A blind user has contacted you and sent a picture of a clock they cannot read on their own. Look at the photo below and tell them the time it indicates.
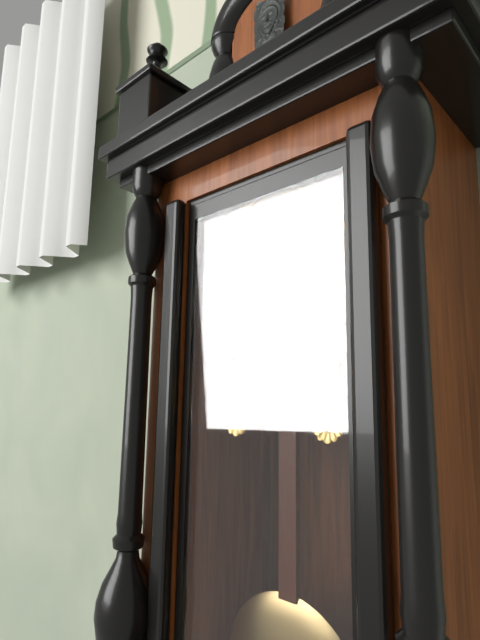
4:33
